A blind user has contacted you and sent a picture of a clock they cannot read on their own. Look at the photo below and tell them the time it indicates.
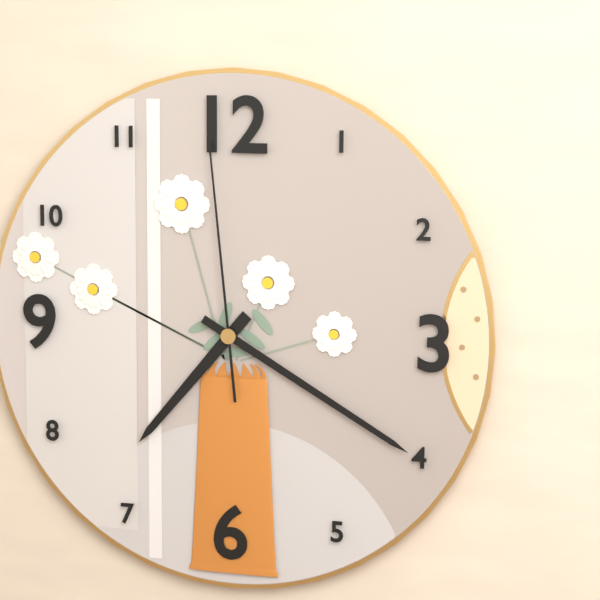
7:20:59
